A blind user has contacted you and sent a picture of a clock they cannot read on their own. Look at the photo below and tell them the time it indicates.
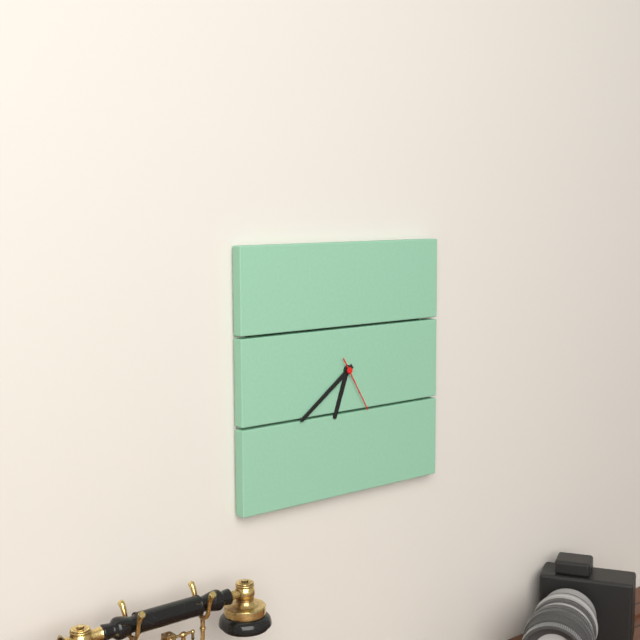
6:39:25
